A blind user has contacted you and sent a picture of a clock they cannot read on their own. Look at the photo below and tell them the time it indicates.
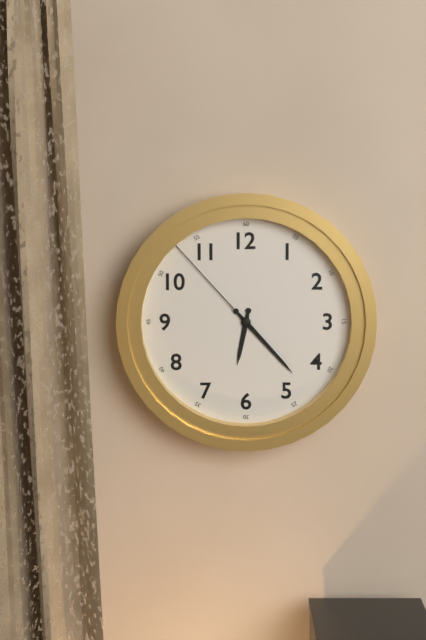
6:23:53
